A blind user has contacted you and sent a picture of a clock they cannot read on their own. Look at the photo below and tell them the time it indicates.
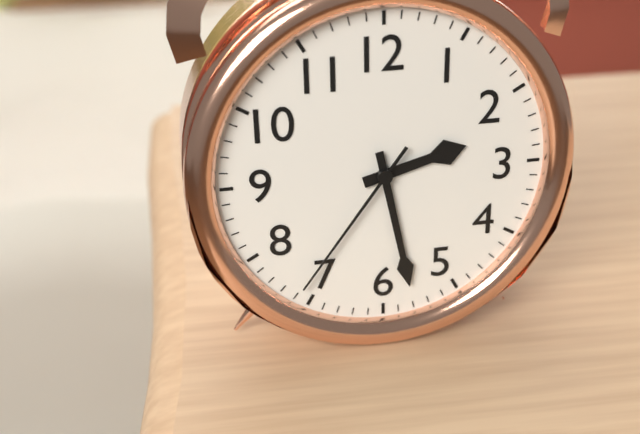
2:28:36
